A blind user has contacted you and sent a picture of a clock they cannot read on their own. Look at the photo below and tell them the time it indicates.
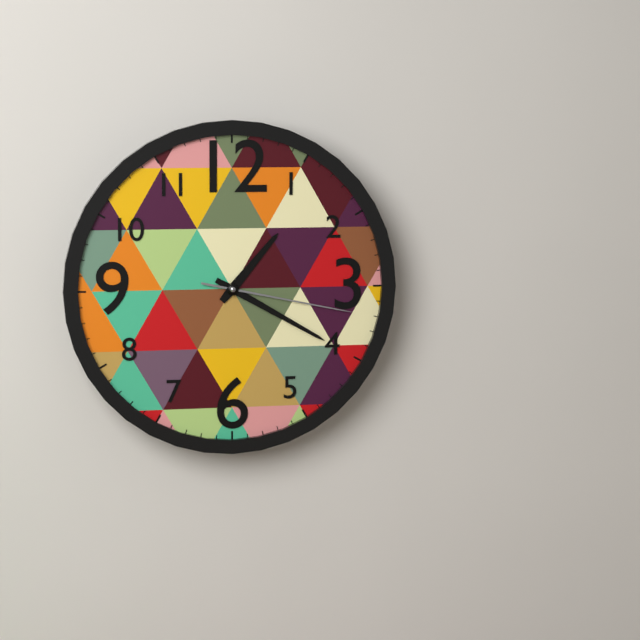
1:20:17
